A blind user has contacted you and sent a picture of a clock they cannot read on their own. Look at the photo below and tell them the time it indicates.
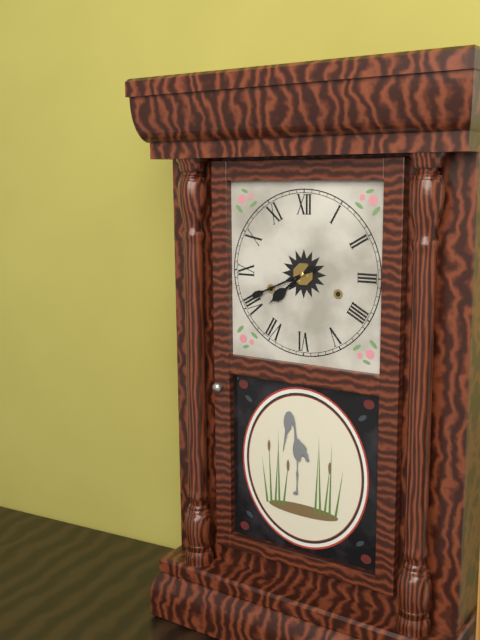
7:41
